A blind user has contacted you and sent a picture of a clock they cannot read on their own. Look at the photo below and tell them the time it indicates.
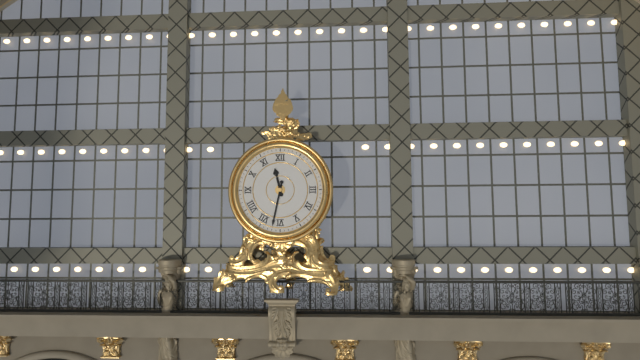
11:32
